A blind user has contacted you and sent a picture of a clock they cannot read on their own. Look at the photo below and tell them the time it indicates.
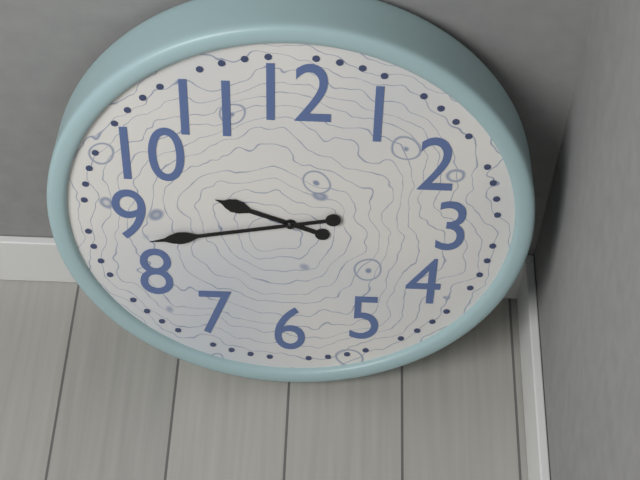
9:43
